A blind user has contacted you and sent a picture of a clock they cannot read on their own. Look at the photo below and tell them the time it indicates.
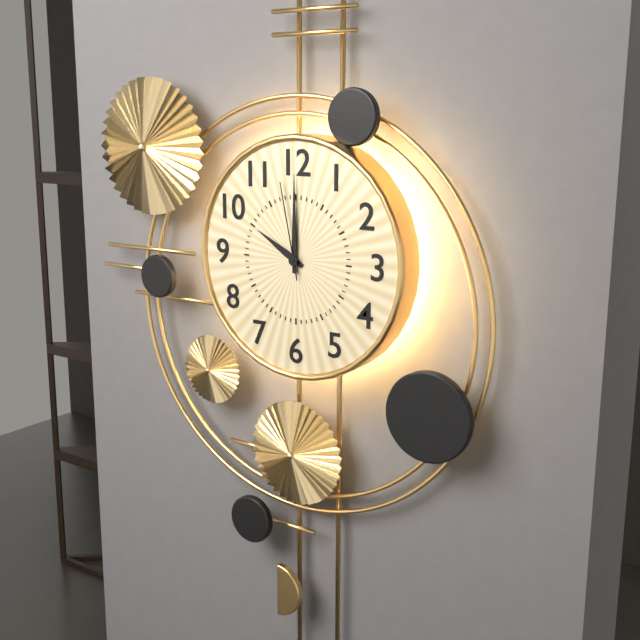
10:00:58
